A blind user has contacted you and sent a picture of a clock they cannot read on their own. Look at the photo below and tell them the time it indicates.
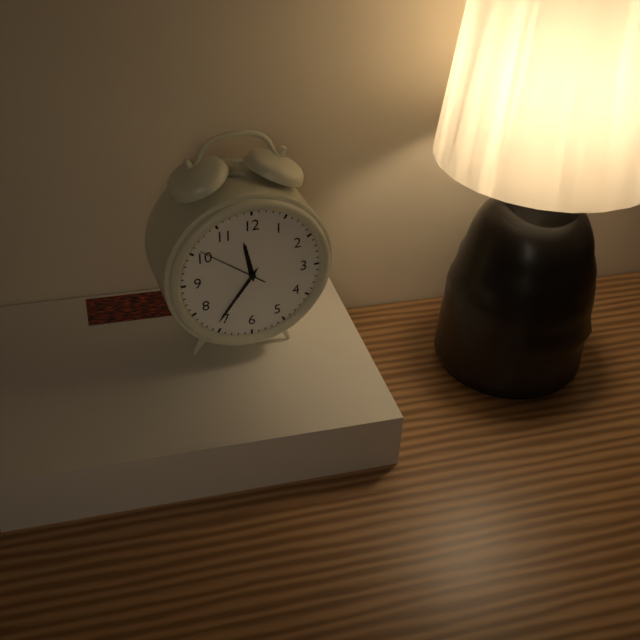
11:36:51
